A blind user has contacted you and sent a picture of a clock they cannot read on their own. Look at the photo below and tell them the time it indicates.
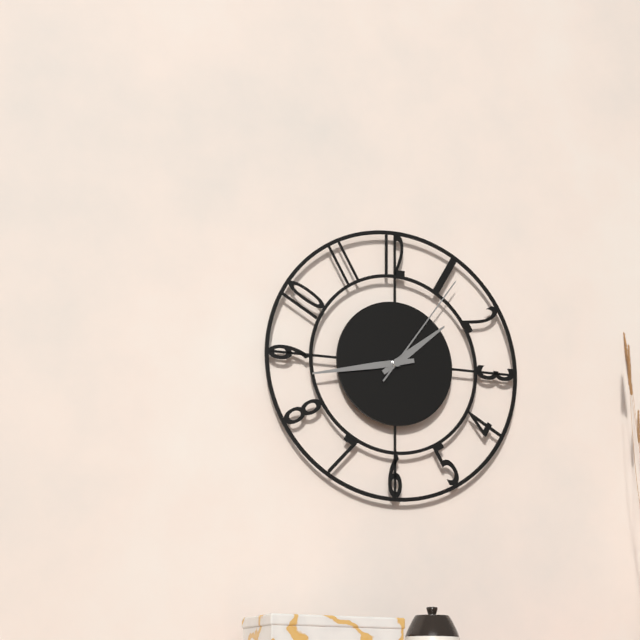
1:43:06
